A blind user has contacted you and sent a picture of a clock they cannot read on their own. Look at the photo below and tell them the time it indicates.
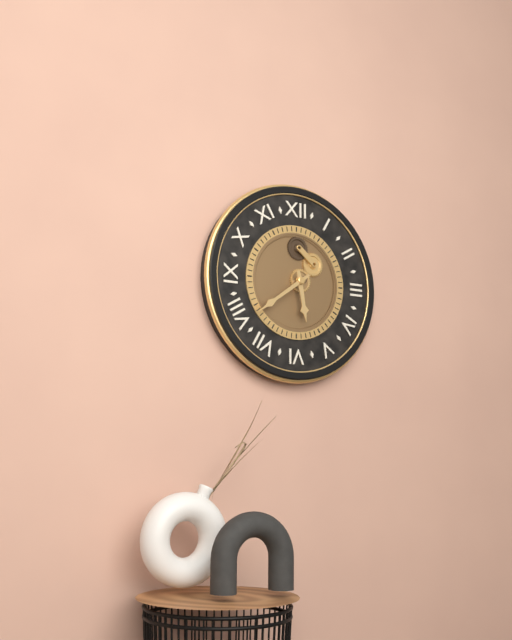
5:39
